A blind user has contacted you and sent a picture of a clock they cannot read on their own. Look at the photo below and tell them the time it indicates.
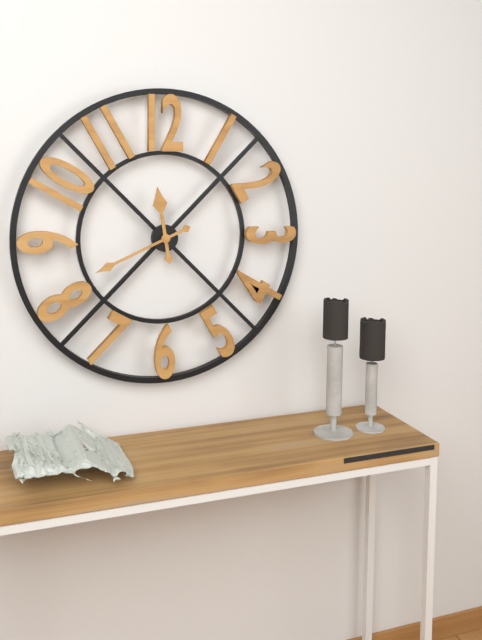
11:41
